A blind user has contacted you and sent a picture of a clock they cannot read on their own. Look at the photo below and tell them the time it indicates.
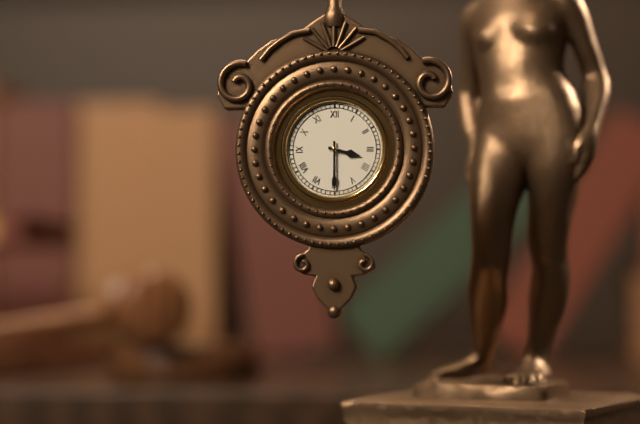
3:30
